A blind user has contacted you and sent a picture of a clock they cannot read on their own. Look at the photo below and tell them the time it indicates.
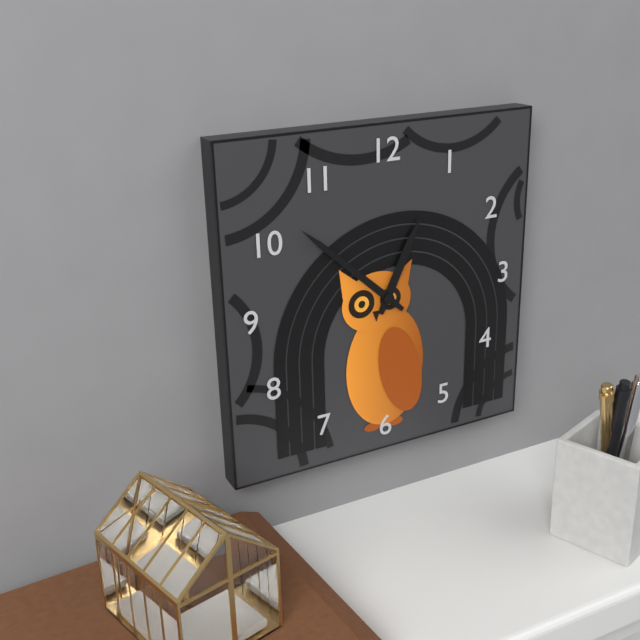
12:52
